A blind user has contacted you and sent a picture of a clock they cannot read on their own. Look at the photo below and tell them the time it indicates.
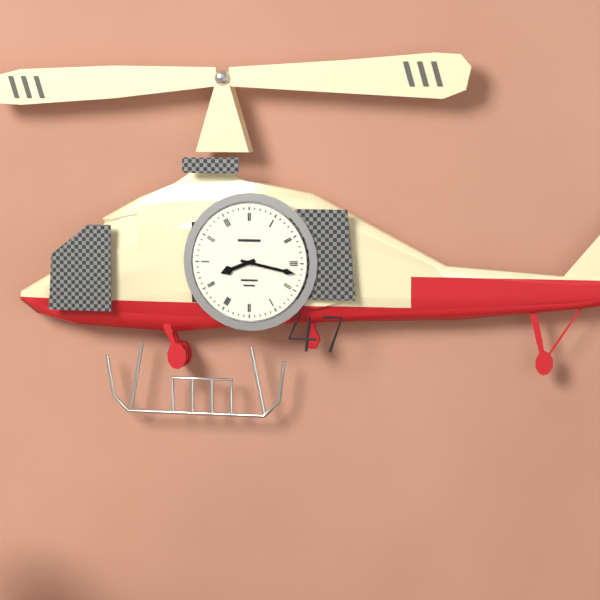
8:17
